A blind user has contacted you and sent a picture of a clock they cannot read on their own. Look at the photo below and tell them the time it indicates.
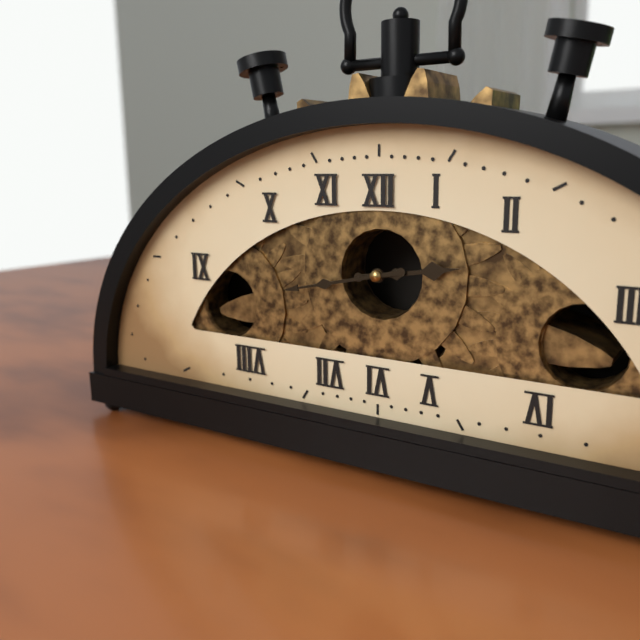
2:43
